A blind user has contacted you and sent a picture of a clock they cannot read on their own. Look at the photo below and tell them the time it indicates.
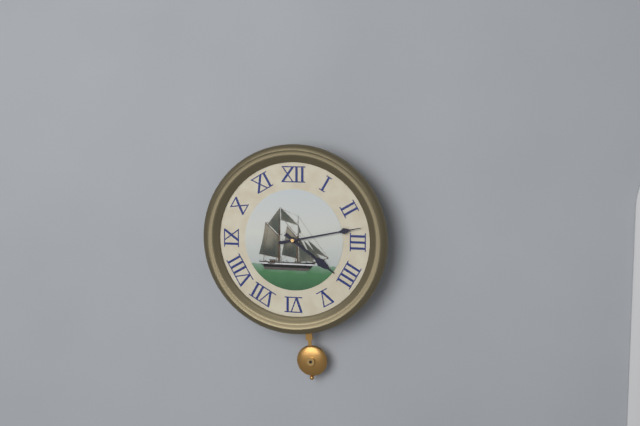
4:13
